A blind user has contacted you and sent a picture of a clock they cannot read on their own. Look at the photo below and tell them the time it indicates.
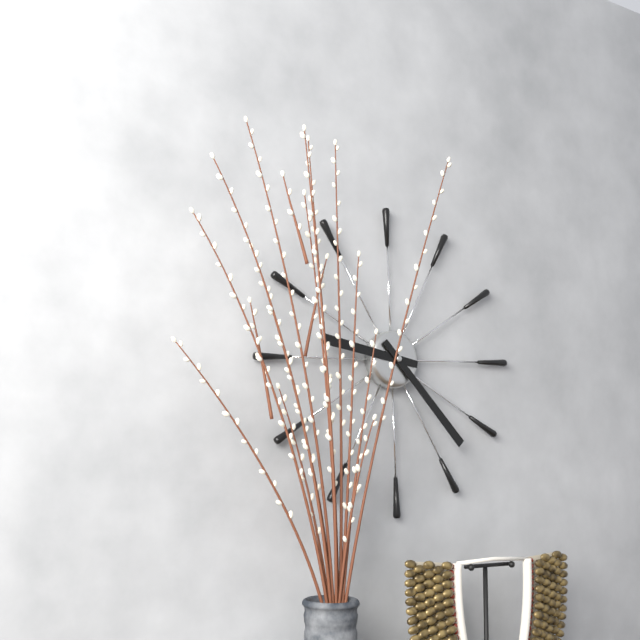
9:23
